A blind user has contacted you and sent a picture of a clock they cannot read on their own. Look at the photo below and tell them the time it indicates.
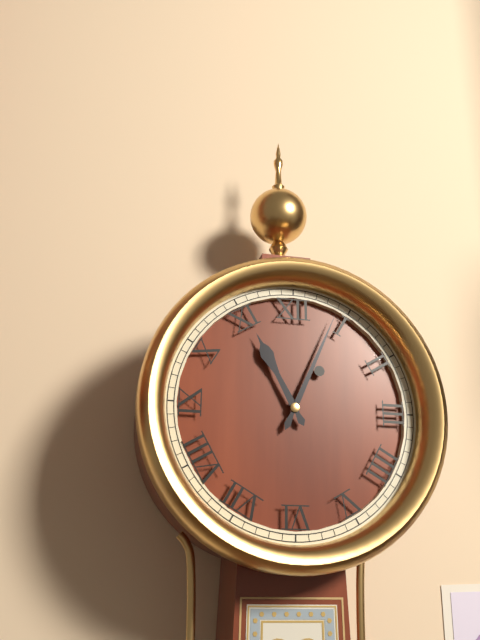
11:04
